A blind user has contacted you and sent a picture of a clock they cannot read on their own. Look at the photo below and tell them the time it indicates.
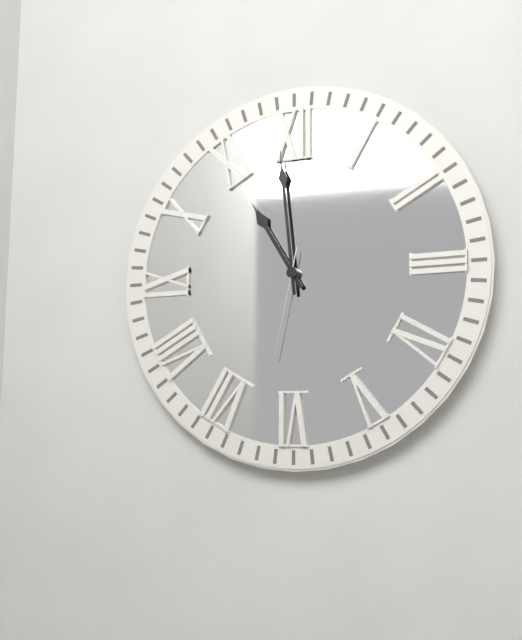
10:59:32
